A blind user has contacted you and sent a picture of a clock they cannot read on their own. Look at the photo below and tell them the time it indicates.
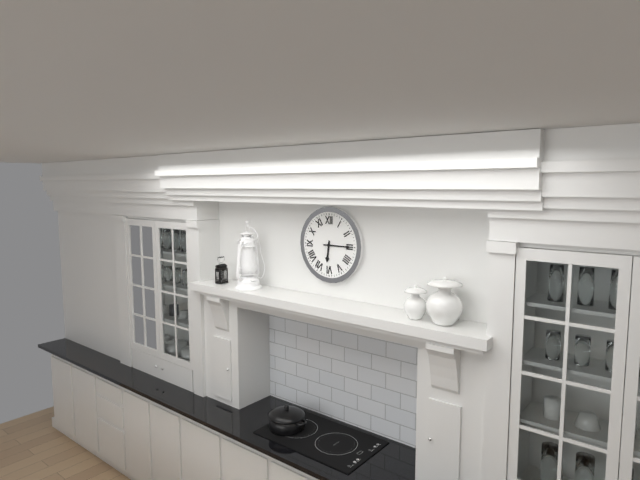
6:15
